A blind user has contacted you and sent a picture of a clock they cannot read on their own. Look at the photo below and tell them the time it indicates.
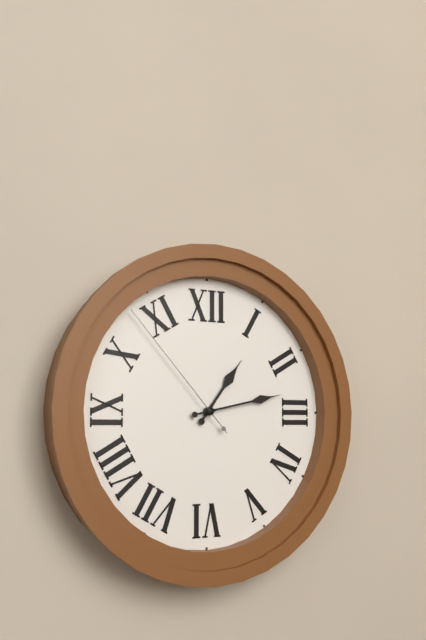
1:13:53
